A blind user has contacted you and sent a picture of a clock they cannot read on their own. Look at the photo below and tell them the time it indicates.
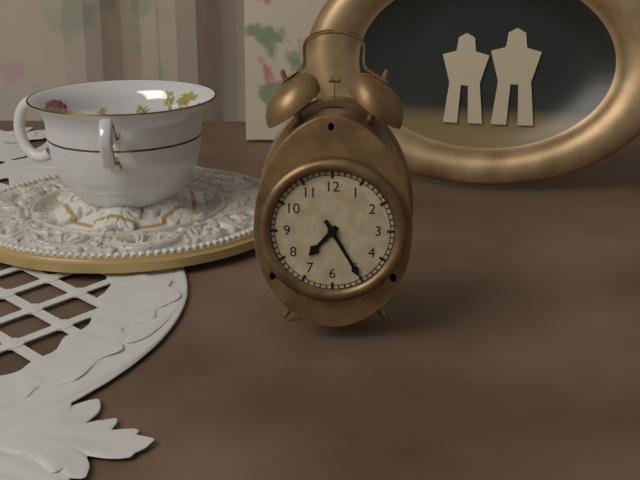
7:25
